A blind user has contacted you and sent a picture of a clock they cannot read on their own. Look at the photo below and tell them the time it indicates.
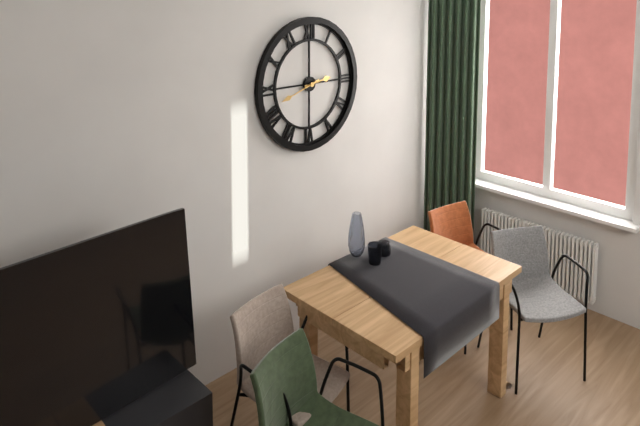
2:42
